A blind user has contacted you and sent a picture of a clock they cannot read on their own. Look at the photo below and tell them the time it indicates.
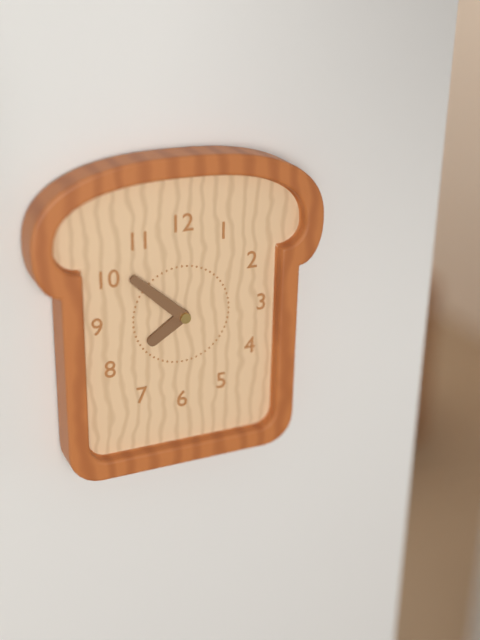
7:52
